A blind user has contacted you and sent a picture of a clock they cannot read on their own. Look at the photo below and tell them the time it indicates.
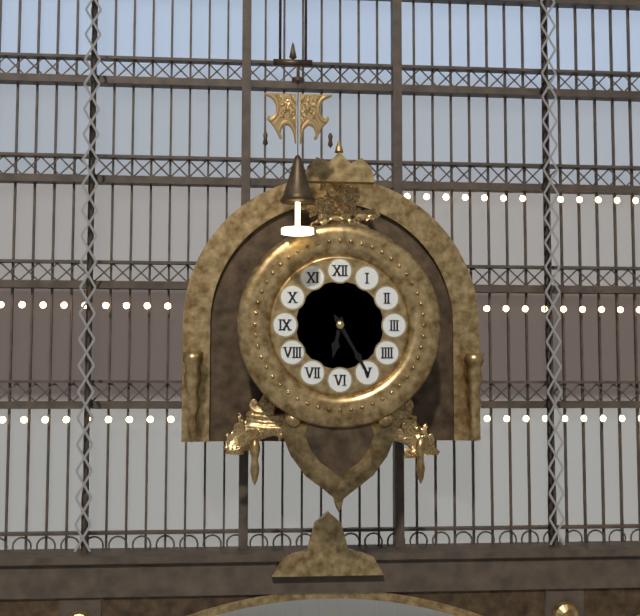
6:25
